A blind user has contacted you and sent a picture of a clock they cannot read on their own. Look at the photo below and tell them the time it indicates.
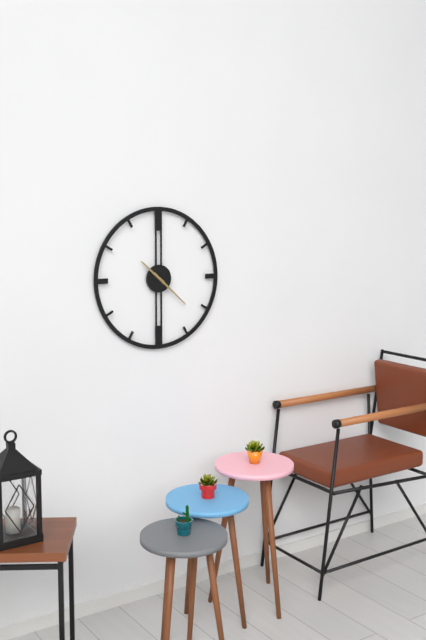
10:22
